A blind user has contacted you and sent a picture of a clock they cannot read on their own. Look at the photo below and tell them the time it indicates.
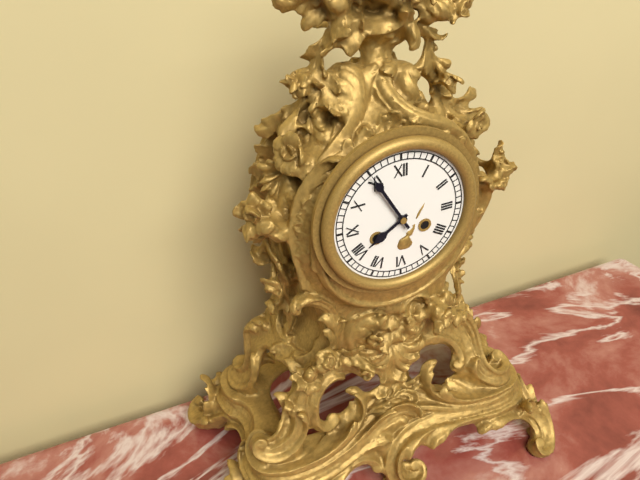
7:55
